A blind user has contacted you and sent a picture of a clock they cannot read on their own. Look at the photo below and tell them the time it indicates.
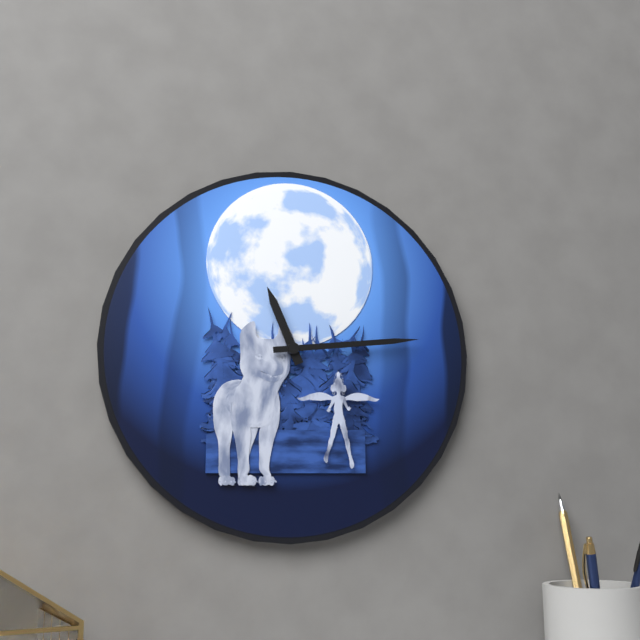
11:14
